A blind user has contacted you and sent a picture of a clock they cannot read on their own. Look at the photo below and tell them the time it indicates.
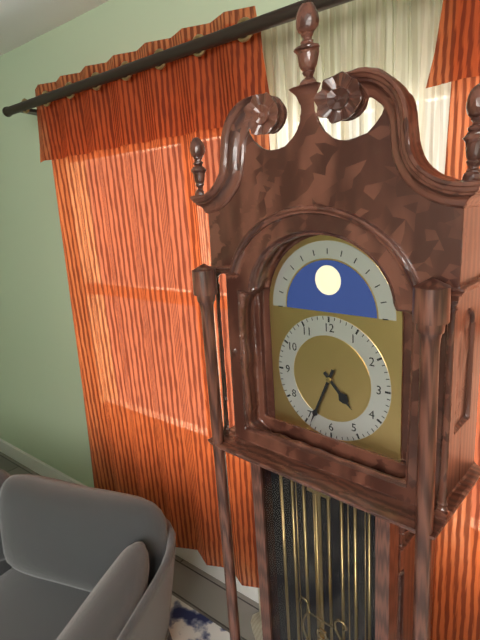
4:34
